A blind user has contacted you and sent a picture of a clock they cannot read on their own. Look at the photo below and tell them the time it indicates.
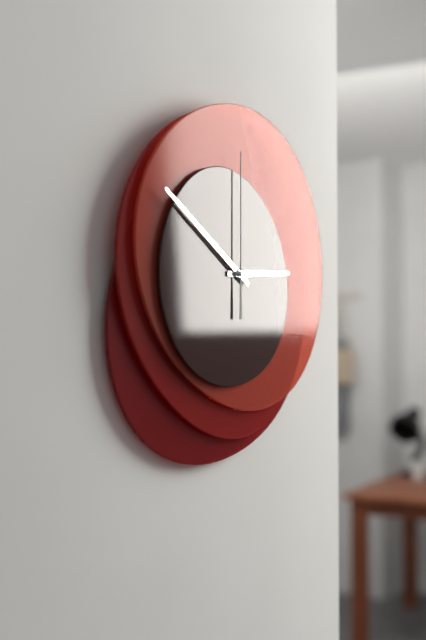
2:50:00
